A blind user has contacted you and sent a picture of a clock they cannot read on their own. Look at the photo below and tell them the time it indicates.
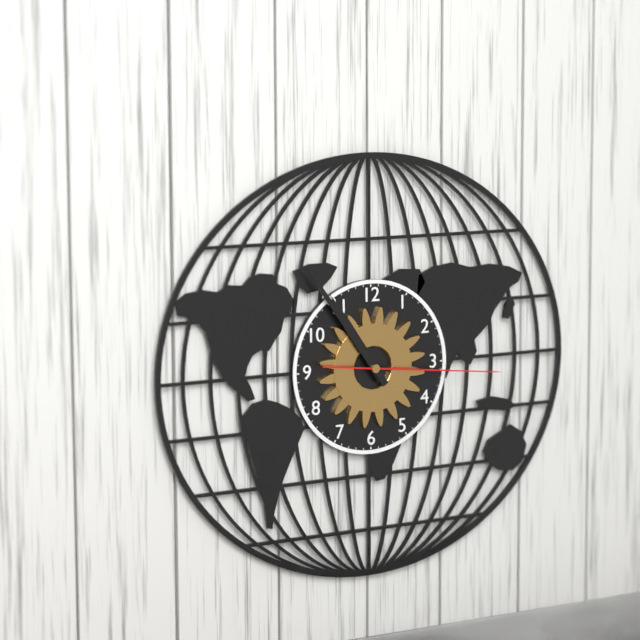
10:54:16
